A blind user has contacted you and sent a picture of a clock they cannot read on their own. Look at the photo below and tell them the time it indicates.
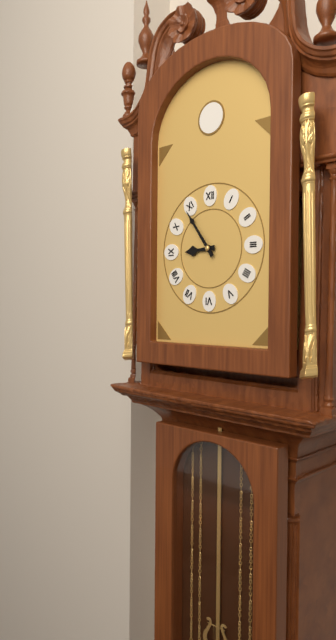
8:54
